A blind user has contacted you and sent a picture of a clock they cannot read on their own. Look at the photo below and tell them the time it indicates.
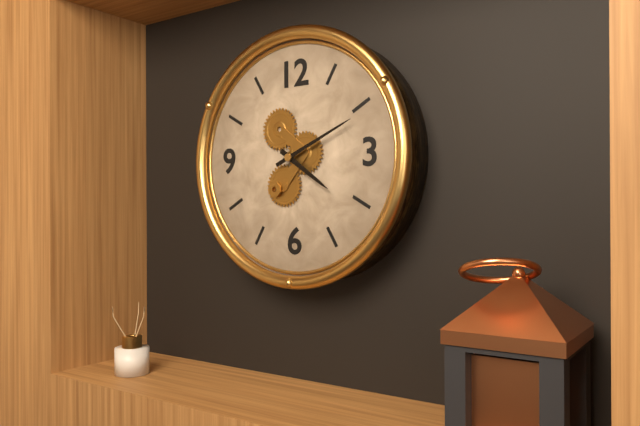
4:11
